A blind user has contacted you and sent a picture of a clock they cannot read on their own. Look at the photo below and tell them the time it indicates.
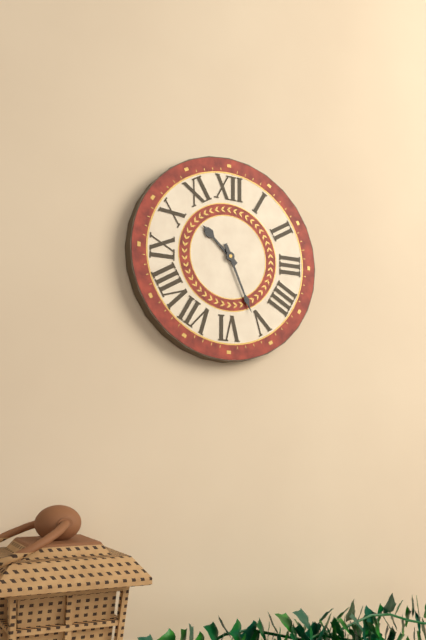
10:26
